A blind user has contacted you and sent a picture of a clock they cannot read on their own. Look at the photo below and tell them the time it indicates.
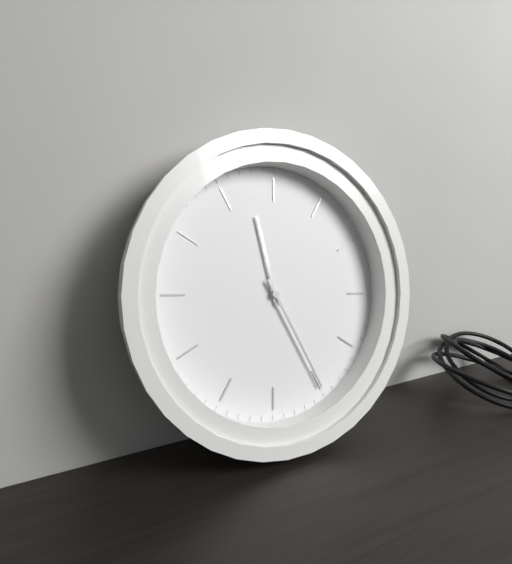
12:30
